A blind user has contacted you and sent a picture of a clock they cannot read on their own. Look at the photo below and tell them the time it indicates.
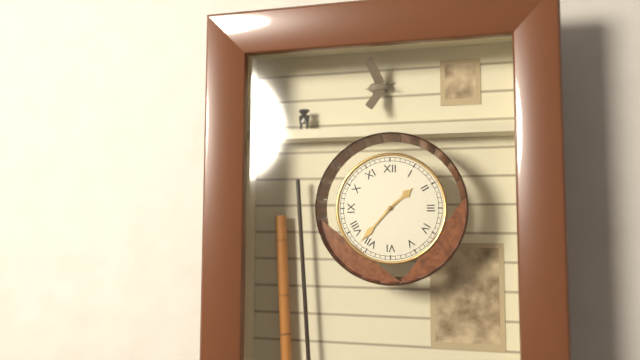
1:37
